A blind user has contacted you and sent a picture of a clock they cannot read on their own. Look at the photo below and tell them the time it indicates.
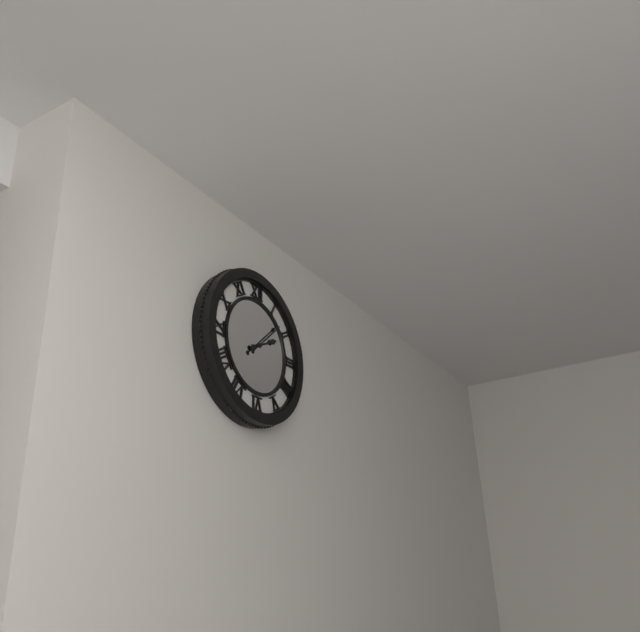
2:08
